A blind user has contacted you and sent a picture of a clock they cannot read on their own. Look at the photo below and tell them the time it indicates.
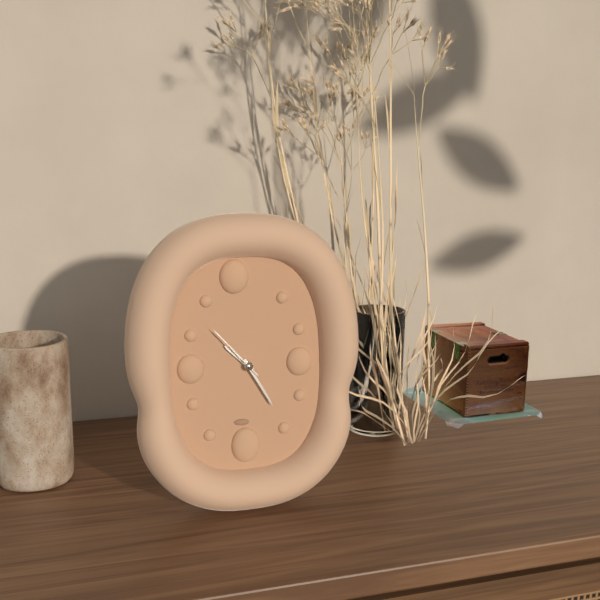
10:25:53
